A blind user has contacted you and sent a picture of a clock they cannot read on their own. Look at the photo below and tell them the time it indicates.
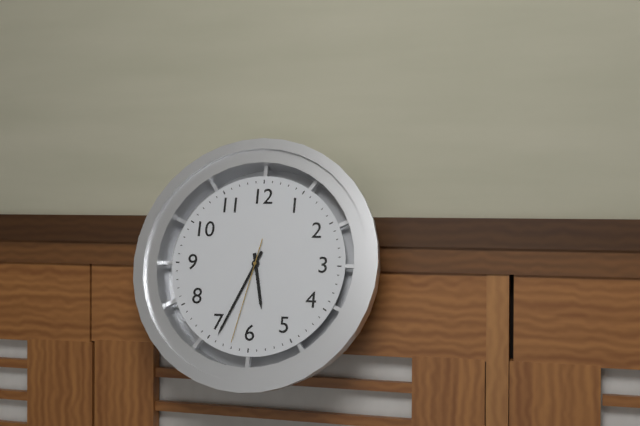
5:34:32
